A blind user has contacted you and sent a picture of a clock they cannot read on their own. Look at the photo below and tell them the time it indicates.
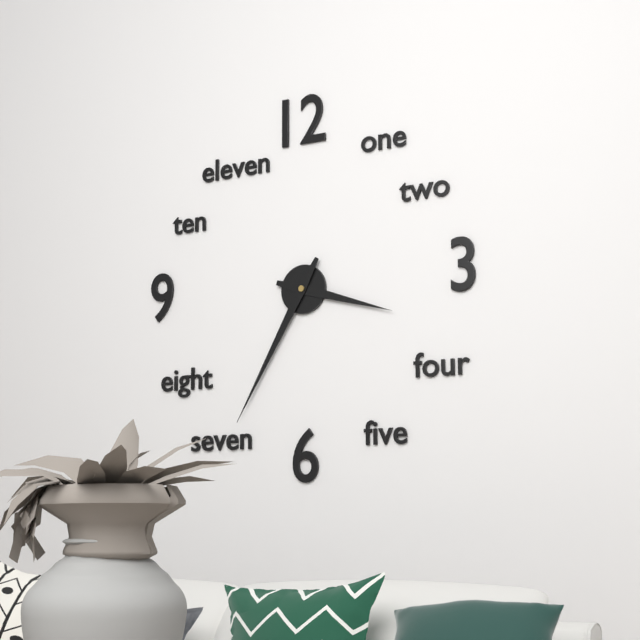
3:35
